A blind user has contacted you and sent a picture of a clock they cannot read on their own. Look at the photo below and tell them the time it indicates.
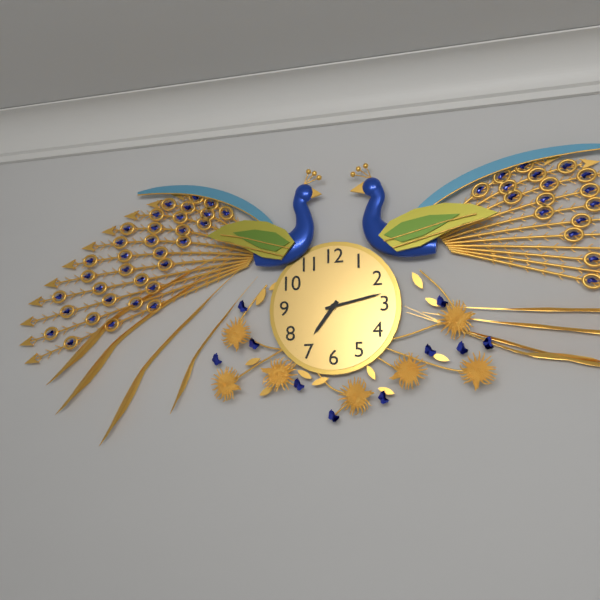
7:13
